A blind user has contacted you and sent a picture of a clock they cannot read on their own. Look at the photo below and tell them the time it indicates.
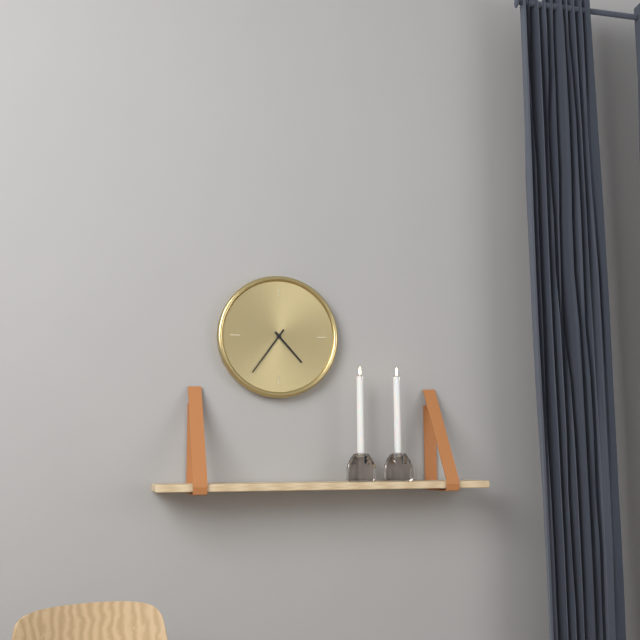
4:36
